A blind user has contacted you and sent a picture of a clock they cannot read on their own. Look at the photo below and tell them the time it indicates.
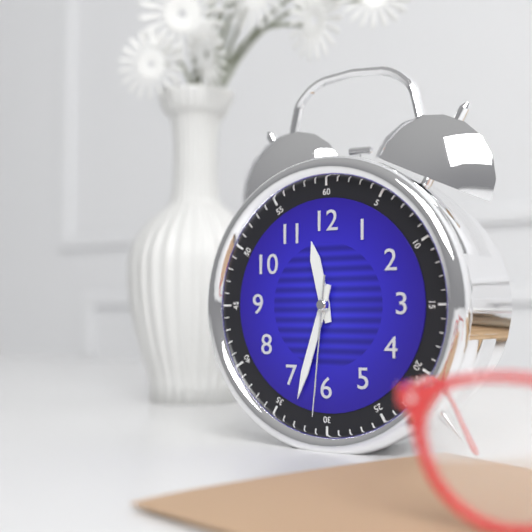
11:33:31
